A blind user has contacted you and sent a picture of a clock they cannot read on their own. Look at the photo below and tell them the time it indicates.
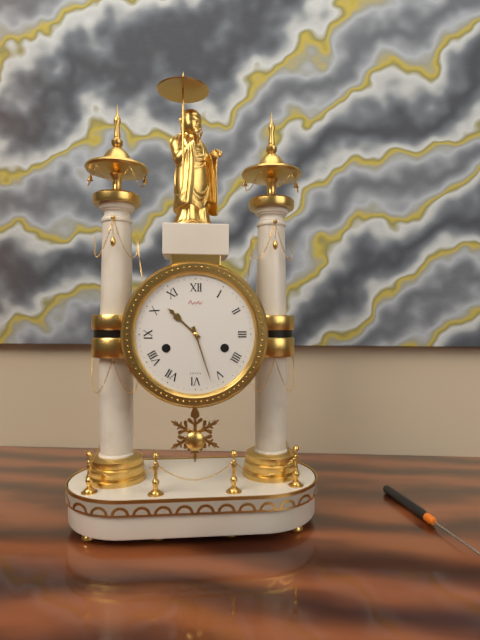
10:27
